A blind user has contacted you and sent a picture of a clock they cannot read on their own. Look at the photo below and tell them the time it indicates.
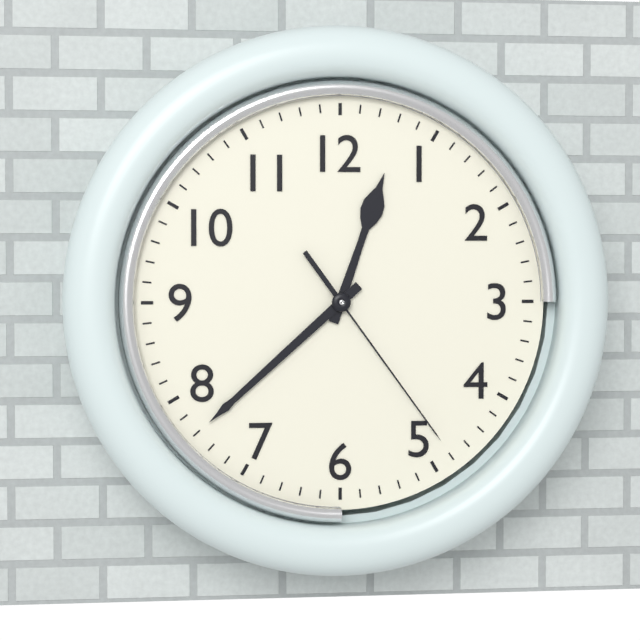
12:38:24
